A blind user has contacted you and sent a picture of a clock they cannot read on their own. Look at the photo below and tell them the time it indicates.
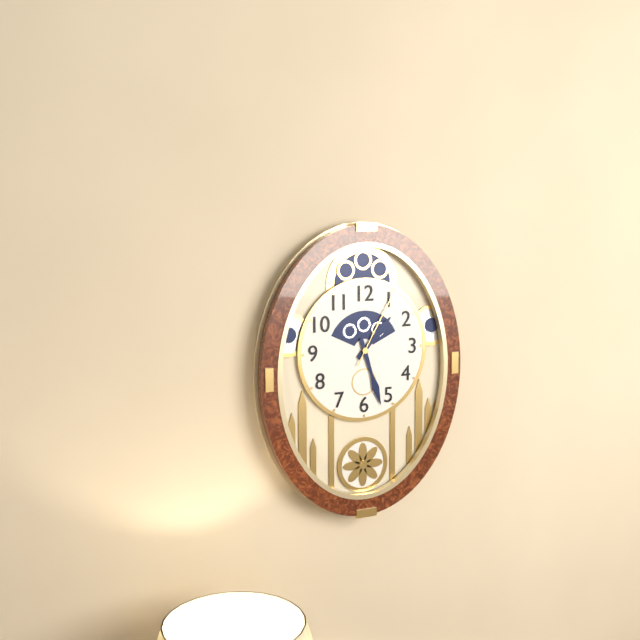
1:27:05
